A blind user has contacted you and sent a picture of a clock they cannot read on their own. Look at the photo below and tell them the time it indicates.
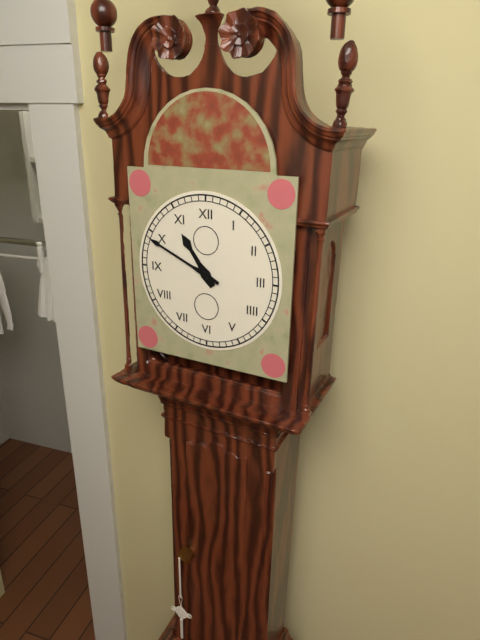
10:49
